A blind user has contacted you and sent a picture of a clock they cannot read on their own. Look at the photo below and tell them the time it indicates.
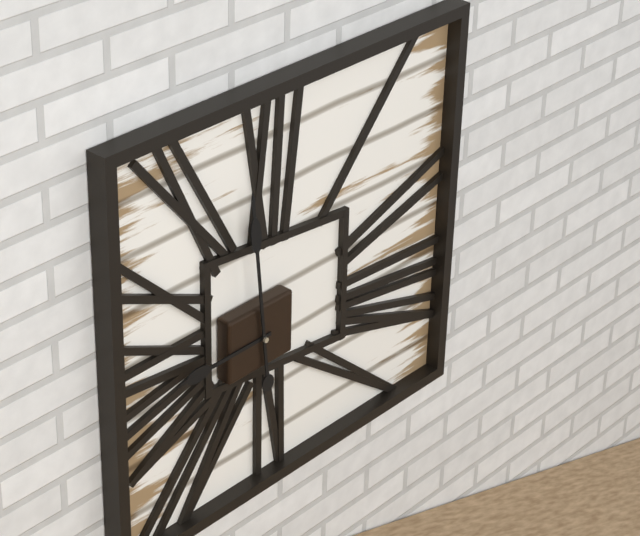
8:59
